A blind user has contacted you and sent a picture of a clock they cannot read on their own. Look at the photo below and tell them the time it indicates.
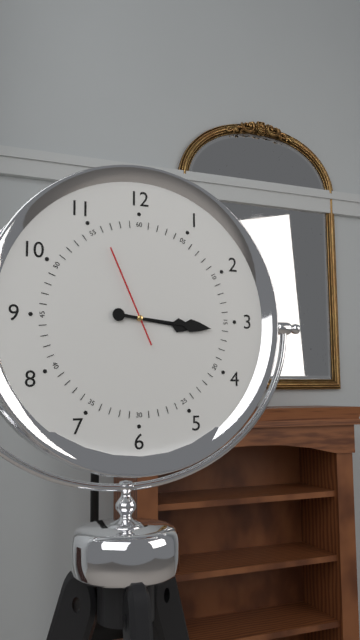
3:16:56
